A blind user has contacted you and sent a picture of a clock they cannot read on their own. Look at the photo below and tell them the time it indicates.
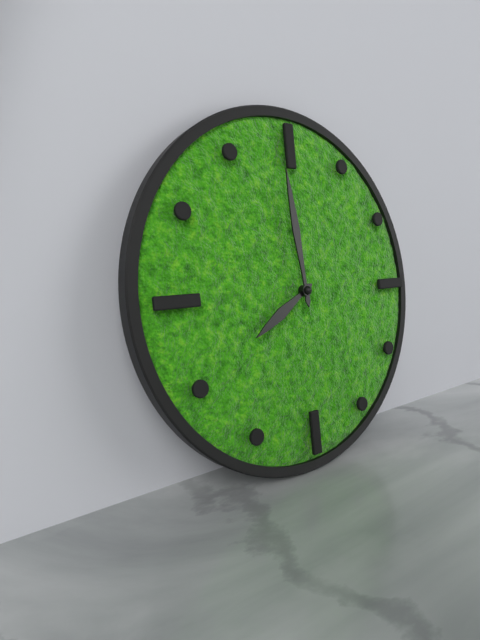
7:59
